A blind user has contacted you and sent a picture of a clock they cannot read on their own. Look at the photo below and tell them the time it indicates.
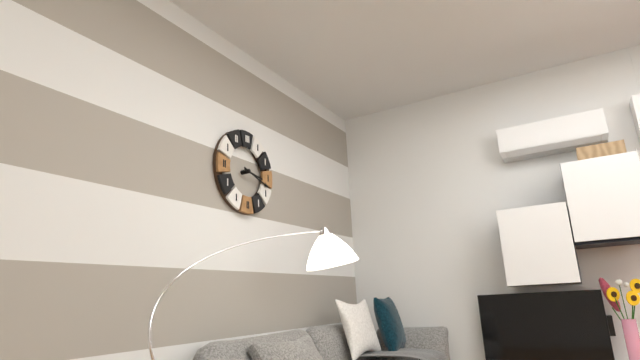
3:18
